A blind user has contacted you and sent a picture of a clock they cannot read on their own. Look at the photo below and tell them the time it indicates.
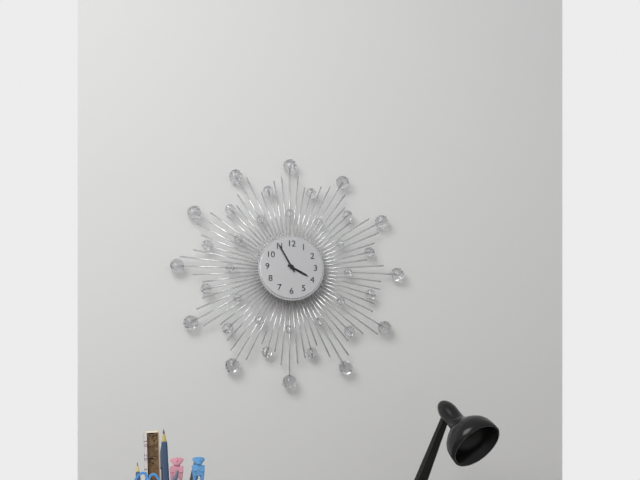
3:55
